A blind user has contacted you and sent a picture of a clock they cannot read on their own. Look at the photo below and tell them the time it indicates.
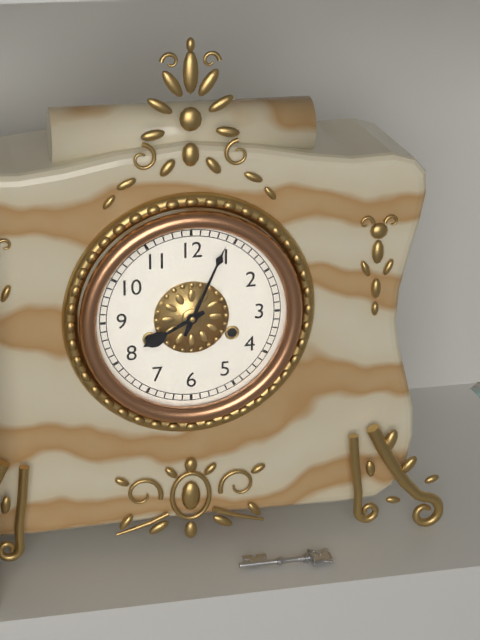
8:04
